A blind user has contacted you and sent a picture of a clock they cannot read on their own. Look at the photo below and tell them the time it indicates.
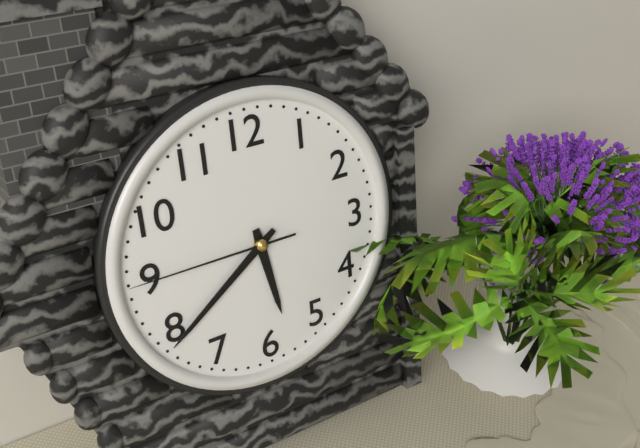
5:39:45
